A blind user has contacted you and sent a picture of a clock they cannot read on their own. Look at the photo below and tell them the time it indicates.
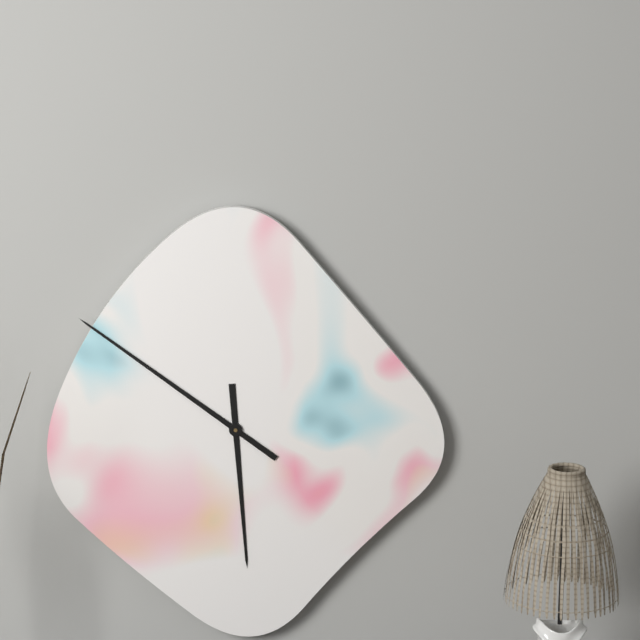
5:51
